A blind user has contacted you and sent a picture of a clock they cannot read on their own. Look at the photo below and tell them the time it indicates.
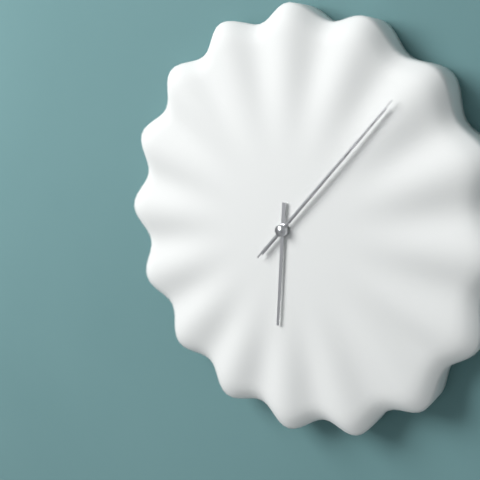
6:07:07
